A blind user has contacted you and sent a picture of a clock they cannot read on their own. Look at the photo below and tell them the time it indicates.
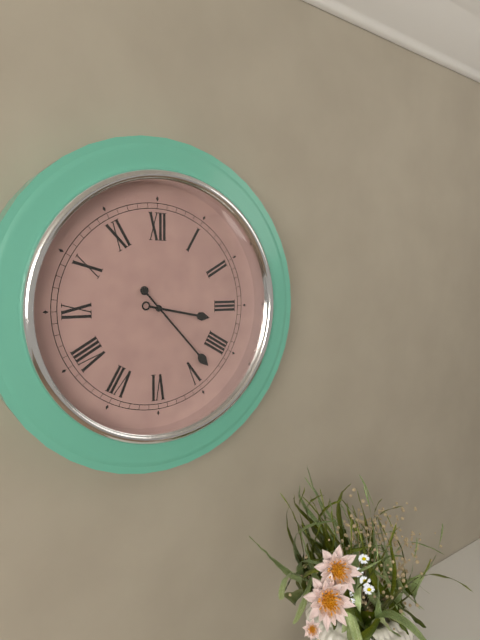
3:23
